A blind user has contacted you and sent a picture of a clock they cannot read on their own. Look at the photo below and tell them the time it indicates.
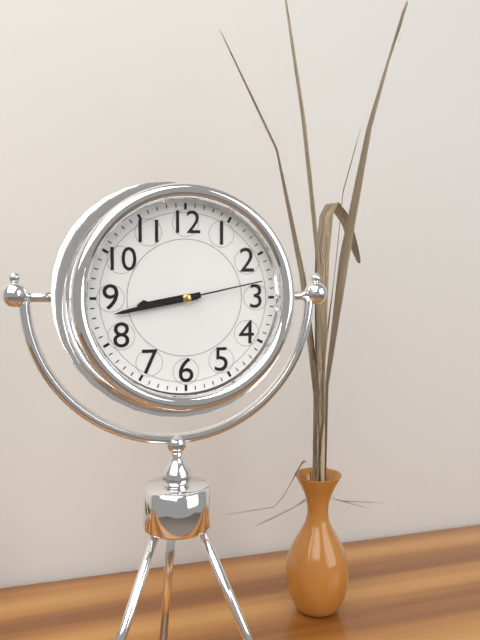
8:43:13
